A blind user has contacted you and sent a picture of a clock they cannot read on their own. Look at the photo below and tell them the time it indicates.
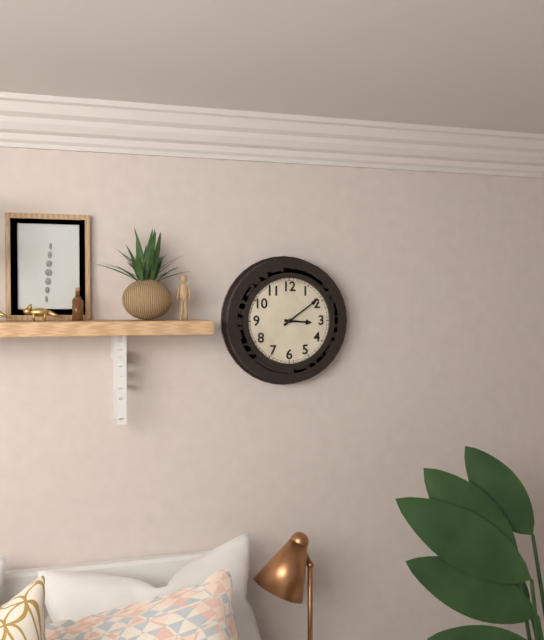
3:09
